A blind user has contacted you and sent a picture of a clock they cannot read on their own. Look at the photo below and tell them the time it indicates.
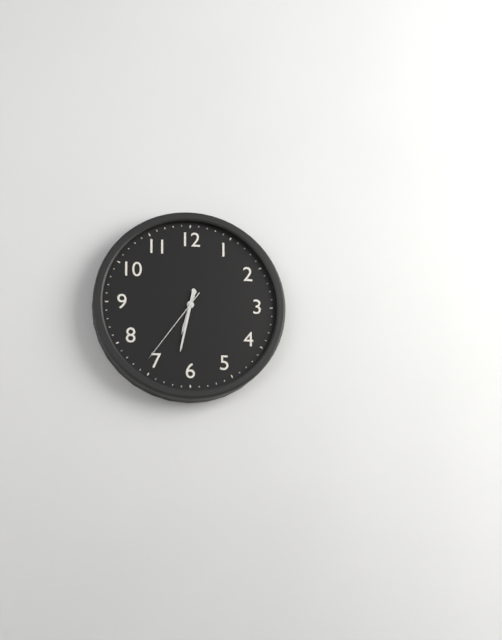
6:32:36
